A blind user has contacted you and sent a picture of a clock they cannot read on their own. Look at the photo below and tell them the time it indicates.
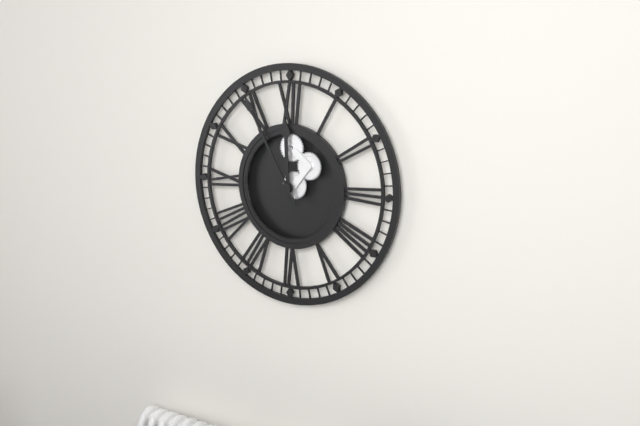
11:55
